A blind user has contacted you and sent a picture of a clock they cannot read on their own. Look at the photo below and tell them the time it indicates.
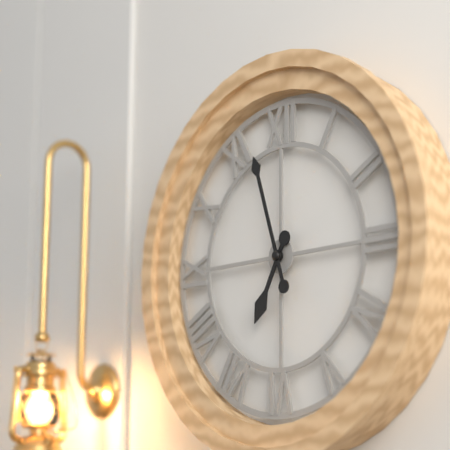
6:57
